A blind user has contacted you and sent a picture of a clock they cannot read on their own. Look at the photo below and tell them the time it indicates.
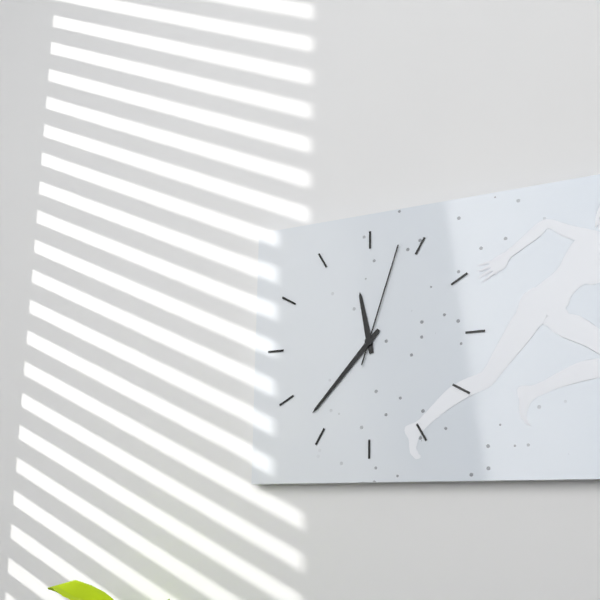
11:37:03
